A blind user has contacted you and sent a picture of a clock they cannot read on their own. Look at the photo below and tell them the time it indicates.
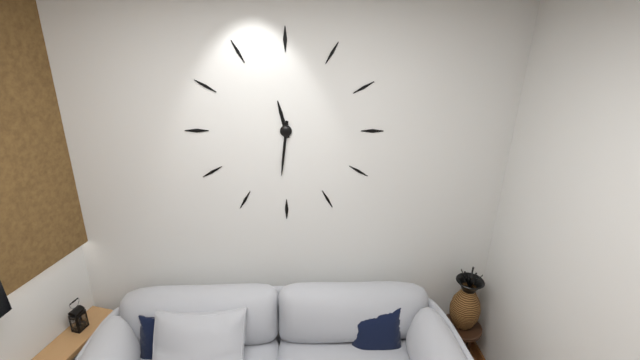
11:31
